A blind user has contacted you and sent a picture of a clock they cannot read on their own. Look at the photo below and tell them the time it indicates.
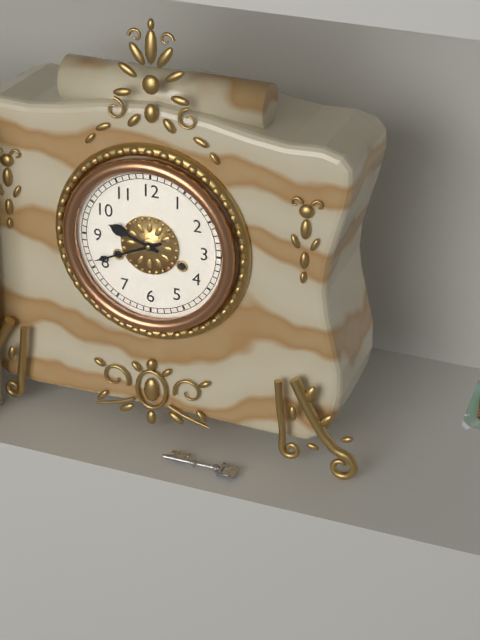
9:41
